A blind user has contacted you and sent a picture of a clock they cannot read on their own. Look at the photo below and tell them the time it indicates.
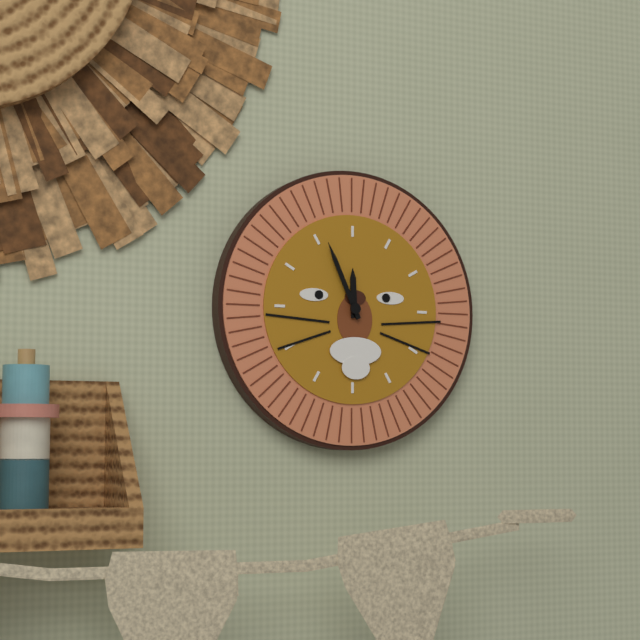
11:56
